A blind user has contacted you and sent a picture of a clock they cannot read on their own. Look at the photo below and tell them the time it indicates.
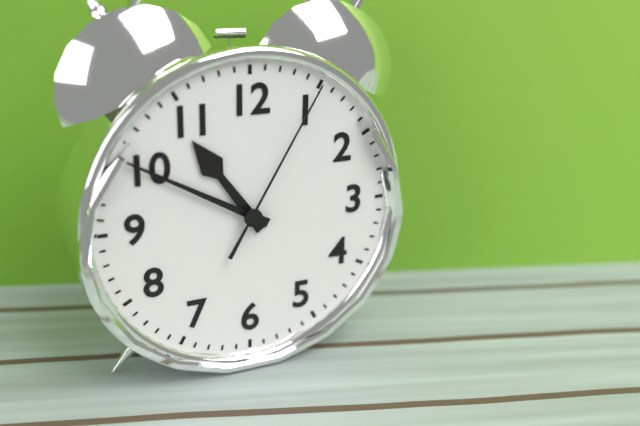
10:50:05
